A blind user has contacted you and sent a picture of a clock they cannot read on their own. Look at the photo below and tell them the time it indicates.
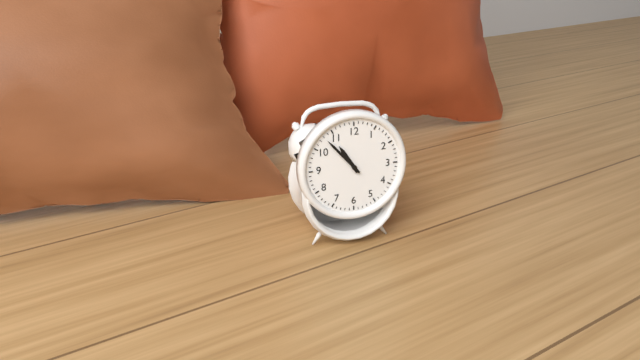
10:53
